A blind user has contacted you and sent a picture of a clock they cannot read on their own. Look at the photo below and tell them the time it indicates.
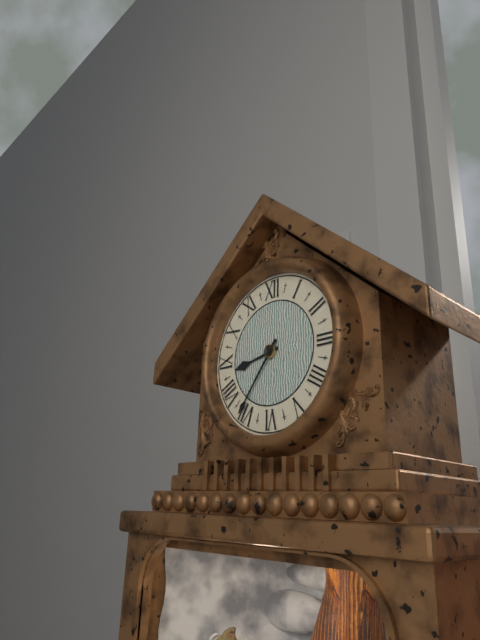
8:36
